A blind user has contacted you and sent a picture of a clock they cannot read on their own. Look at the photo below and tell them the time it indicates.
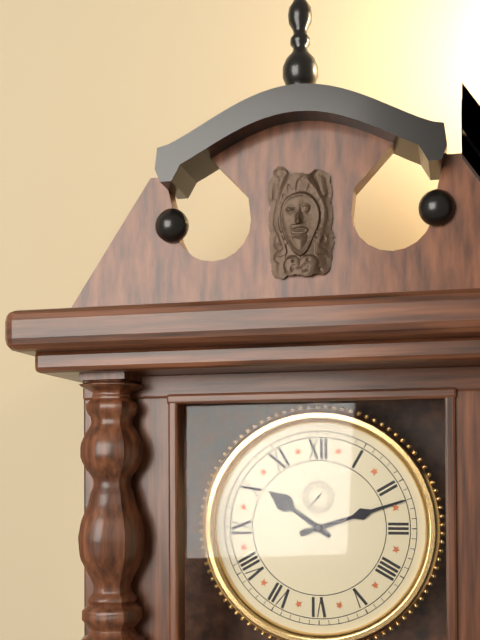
10:12
